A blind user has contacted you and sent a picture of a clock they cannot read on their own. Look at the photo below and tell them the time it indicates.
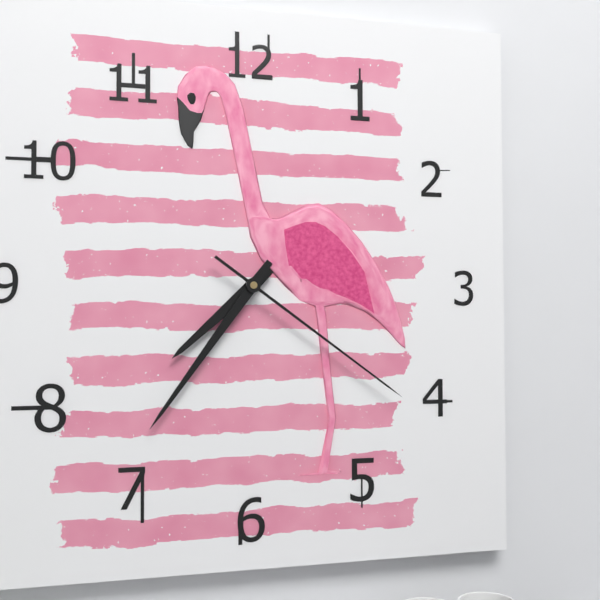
7:36:21
